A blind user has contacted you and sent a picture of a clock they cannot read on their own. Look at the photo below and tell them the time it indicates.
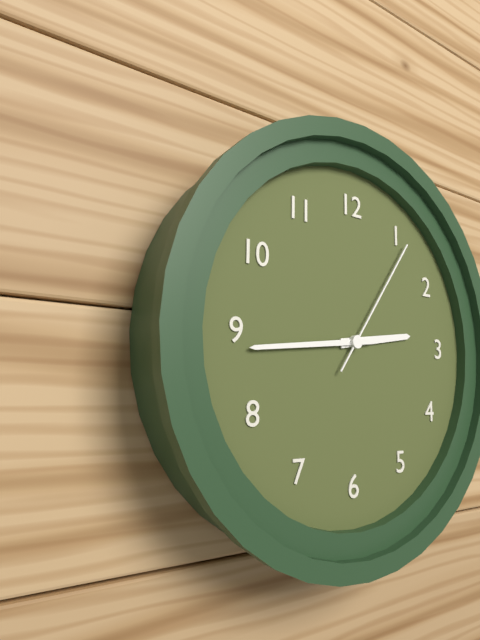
2:44:06
